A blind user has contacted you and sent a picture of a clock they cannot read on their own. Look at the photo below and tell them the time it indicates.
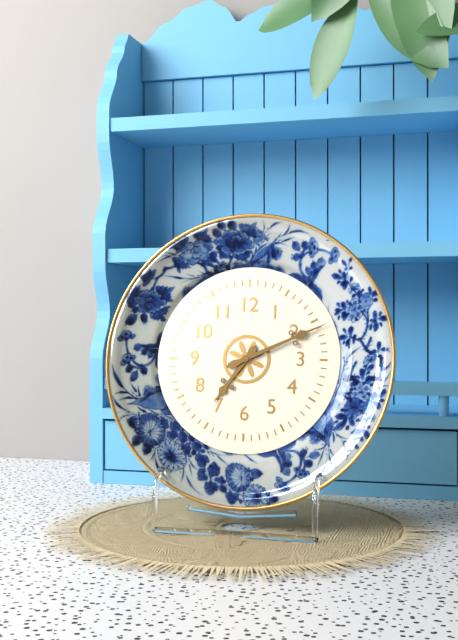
7:11
